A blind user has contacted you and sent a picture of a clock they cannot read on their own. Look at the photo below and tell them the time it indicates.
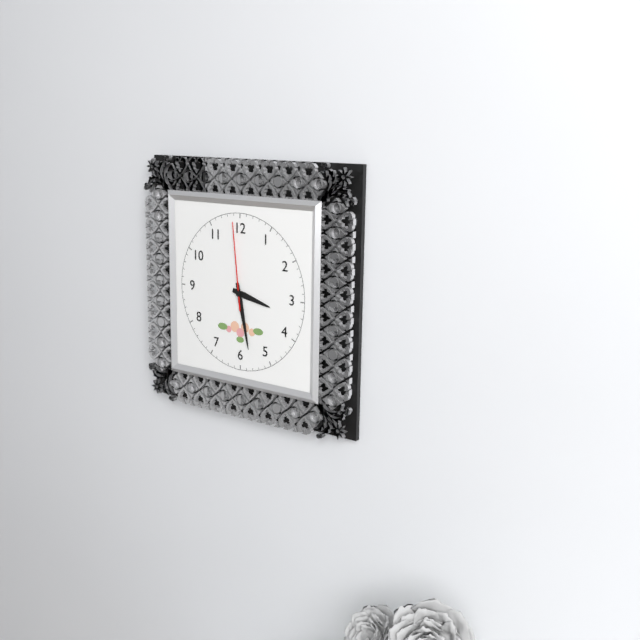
3:28:59
